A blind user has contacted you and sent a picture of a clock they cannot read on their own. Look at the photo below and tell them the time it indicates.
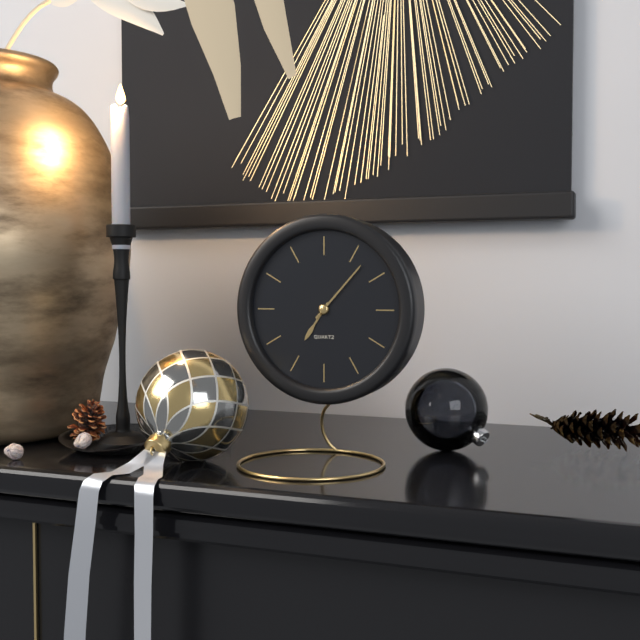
7:07
